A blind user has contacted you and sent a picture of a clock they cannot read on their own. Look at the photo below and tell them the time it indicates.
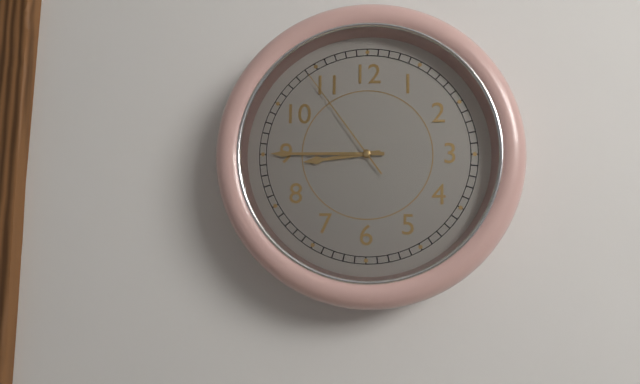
8:45:54
